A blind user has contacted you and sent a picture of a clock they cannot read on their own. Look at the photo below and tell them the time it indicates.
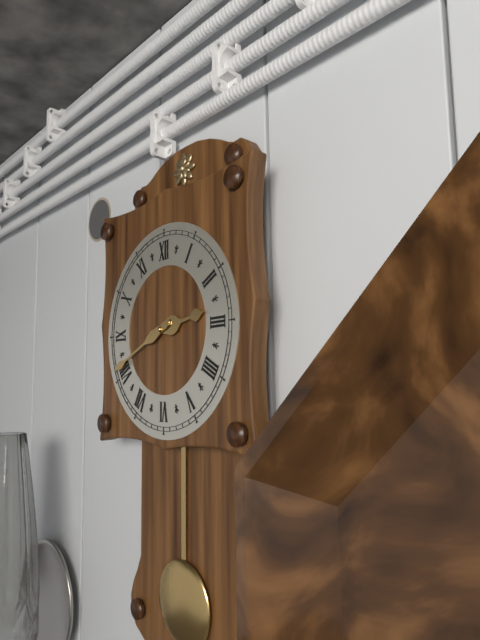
2:41
